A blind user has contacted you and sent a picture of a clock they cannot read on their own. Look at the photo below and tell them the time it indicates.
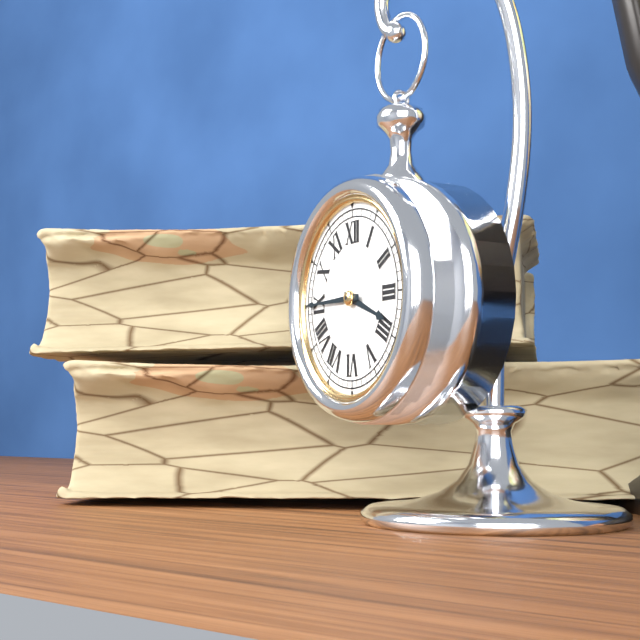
3:45
